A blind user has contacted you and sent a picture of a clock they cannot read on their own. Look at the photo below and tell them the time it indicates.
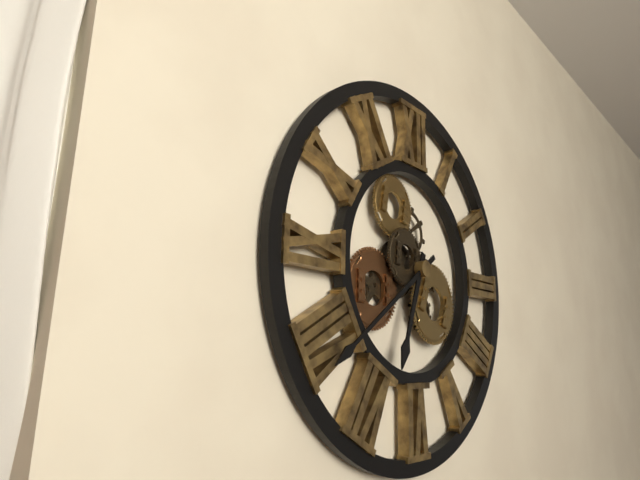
6:39
